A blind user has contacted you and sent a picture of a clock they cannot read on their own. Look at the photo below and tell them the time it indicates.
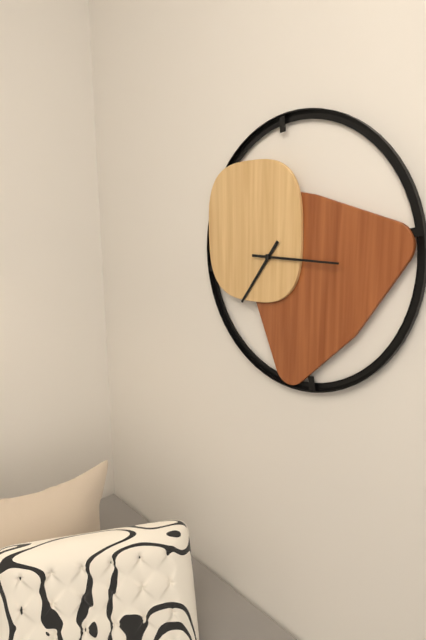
7:15
